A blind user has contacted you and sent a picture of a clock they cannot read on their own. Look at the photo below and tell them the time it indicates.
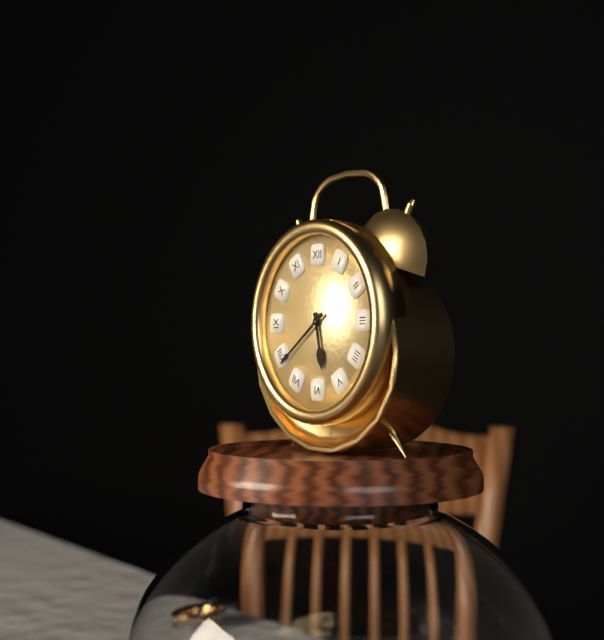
5:39
